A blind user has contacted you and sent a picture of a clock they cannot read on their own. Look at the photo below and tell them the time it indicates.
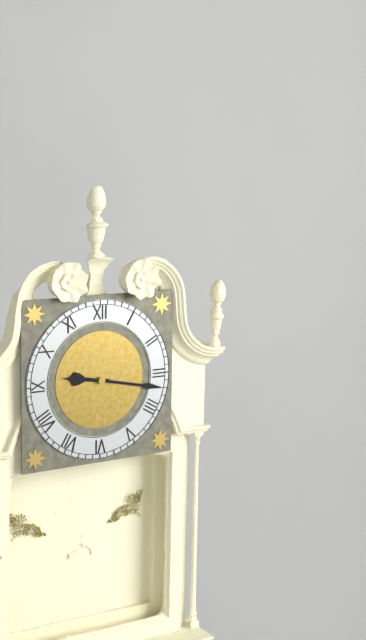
9:17
